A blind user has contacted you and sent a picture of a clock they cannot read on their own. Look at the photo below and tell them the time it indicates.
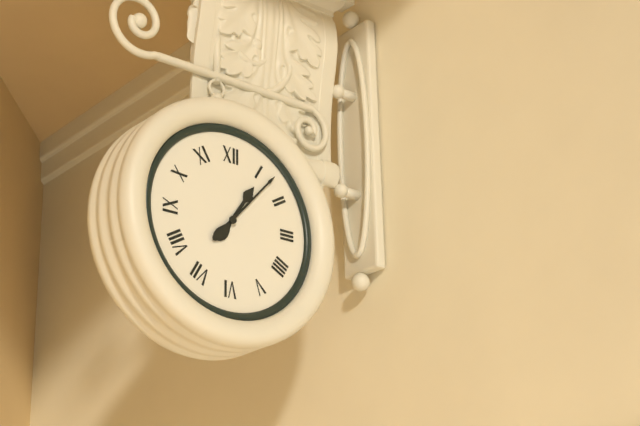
1:07
